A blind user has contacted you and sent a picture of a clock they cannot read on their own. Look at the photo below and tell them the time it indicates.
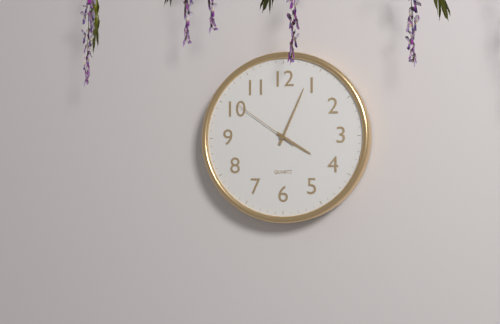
4:04:51
